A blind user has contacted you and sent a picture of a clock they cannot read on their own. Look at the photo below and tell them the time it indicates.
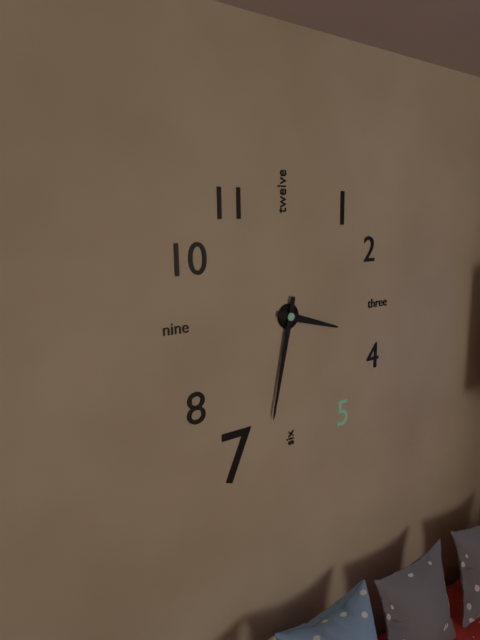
3:32
